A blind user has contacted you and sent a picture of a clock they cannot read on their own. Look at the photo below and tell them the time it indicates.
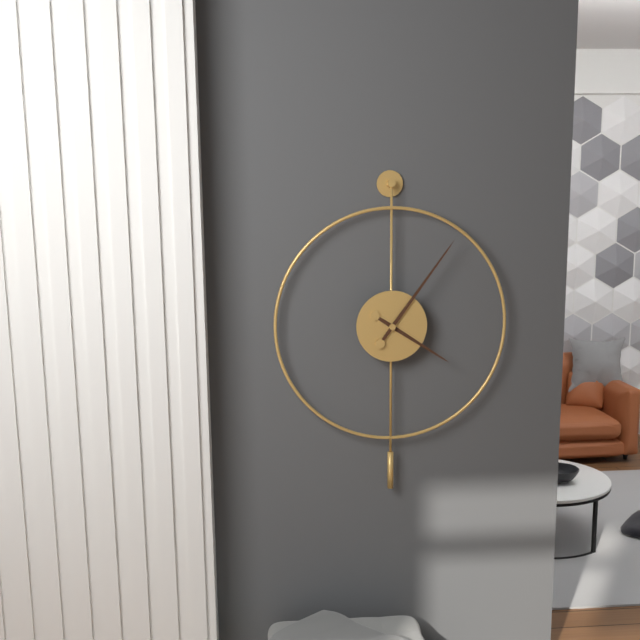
4:06
